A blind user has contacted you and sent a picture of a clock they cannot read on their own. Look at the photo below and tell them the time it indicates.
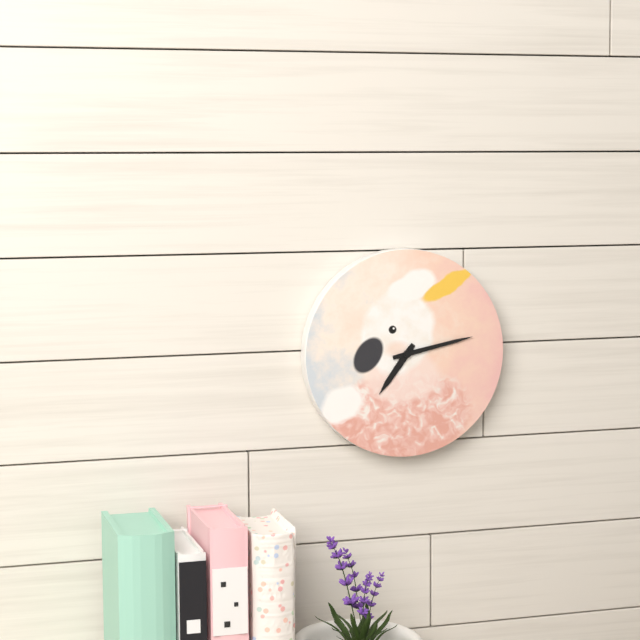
7:13
